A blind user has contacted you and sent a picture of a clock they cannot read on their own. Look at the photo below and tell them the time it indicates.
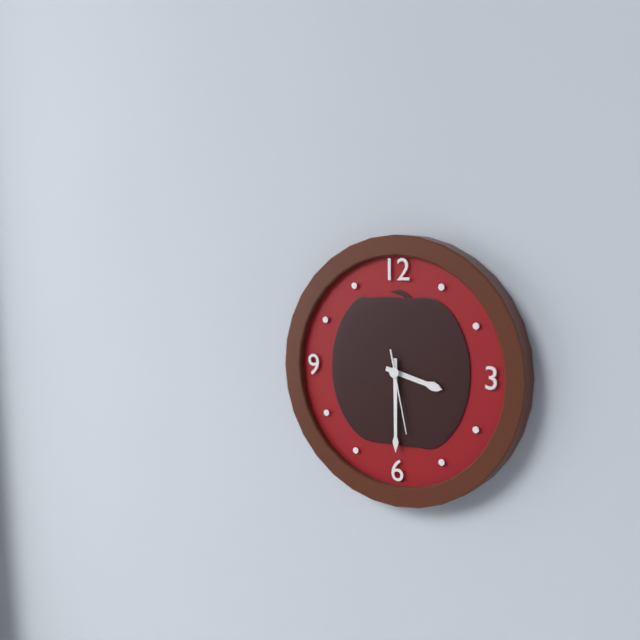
3:30:28
